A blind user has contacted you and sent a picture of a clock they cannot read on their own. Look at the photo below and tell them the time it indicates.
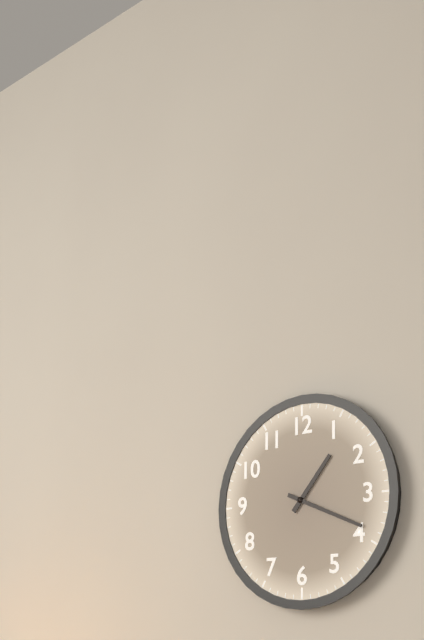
1:19
